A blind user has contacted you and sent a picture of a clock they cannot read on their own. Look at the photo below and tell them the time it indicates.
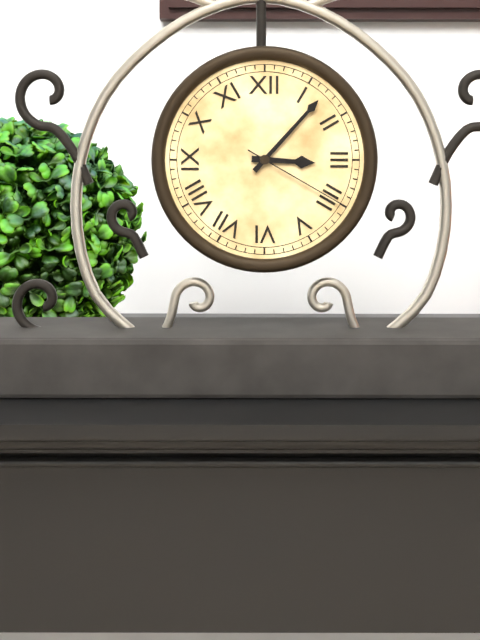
3:07:20
